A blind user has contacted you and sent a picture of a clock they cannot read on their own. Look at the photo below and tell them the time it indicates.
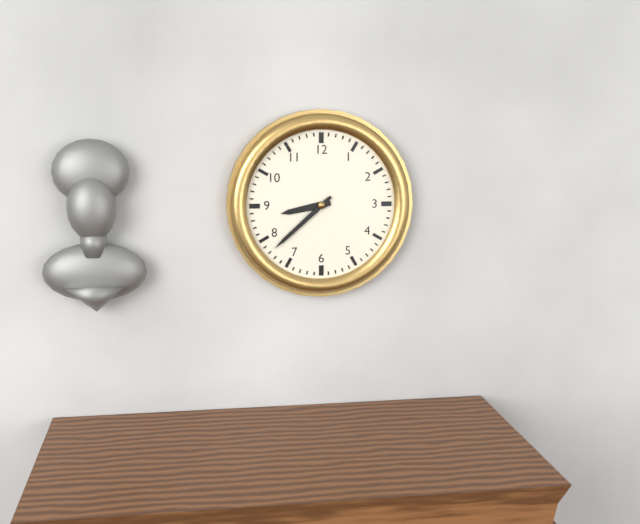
8:38
